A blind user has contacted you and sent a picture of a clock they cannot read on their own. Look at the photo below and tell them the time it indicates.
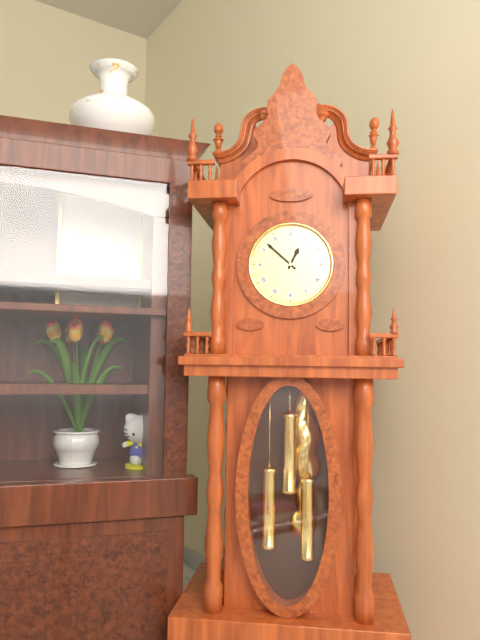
12:52
